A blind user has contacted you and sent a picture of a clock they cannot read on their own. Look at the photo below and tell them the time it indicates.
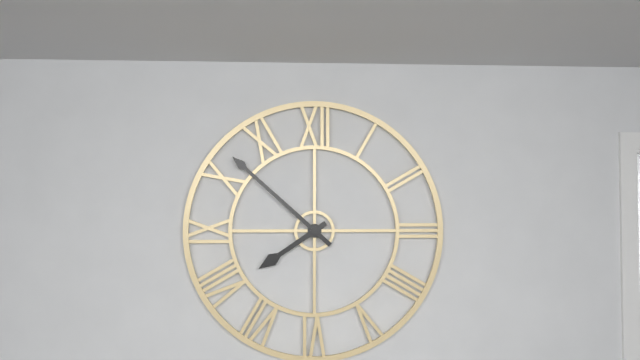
7:52
